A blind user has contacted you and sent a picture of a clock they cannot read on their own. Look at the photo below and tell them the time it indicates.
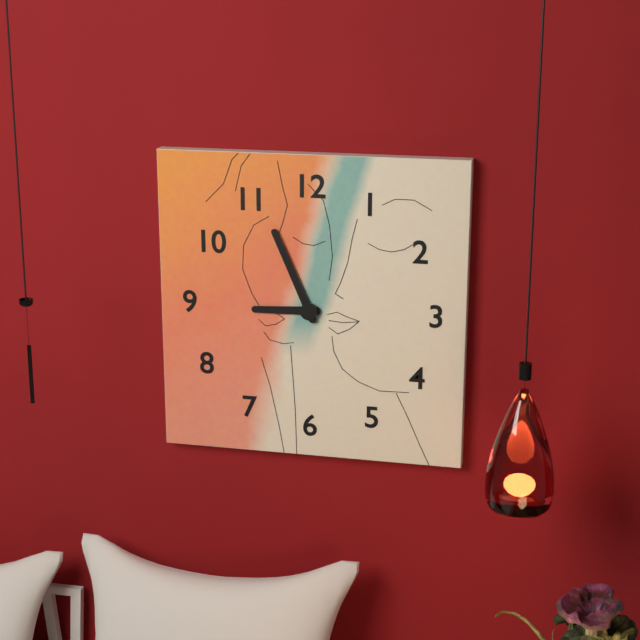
8:56
